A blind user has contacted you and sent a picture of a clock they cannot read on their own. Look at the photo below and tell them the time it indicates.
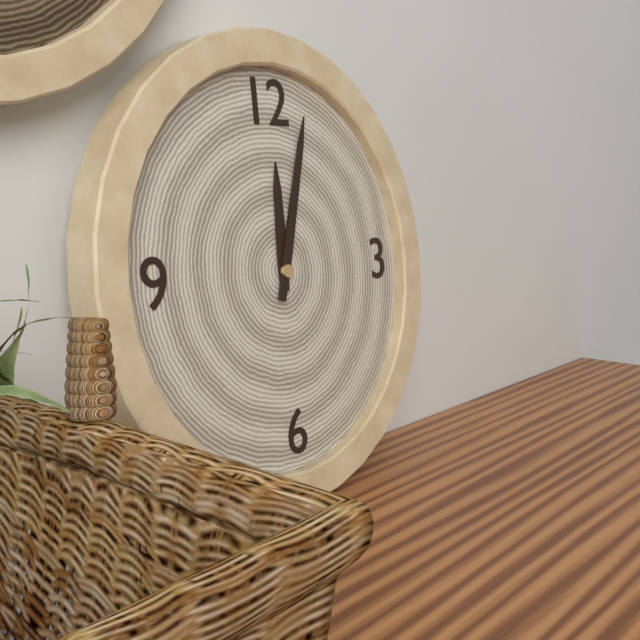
12:03
